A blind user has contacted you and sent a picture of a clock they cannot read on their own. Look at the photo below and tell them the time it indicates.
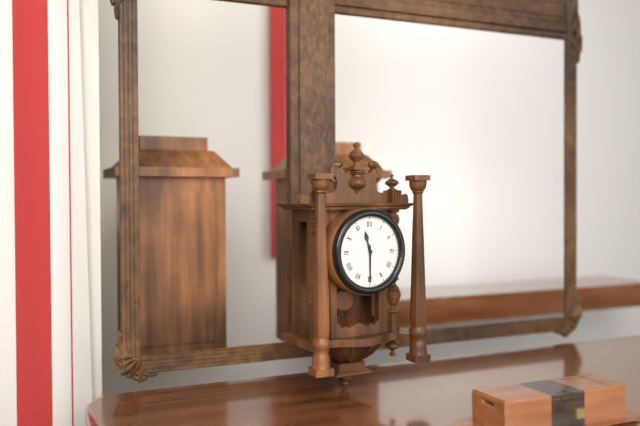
11:30
